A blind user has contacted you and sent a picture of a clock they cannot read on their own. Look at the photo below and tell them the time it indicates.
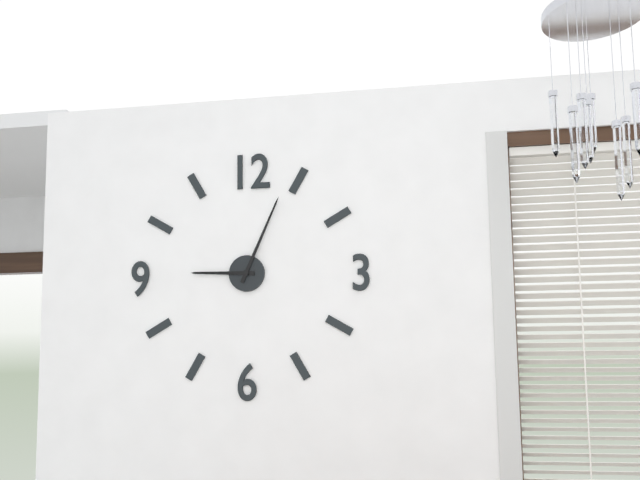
9:04
